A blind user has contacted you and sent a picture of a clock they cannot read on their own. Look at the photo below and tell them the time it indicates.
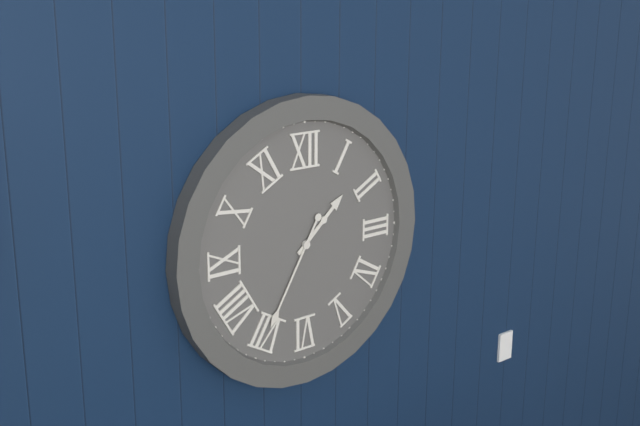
1:35
